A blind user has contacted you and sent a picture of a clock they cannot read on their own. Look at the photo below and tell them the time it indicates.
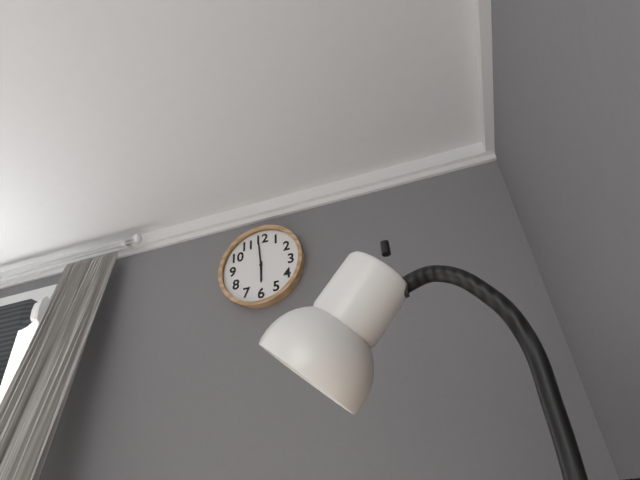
5:59
